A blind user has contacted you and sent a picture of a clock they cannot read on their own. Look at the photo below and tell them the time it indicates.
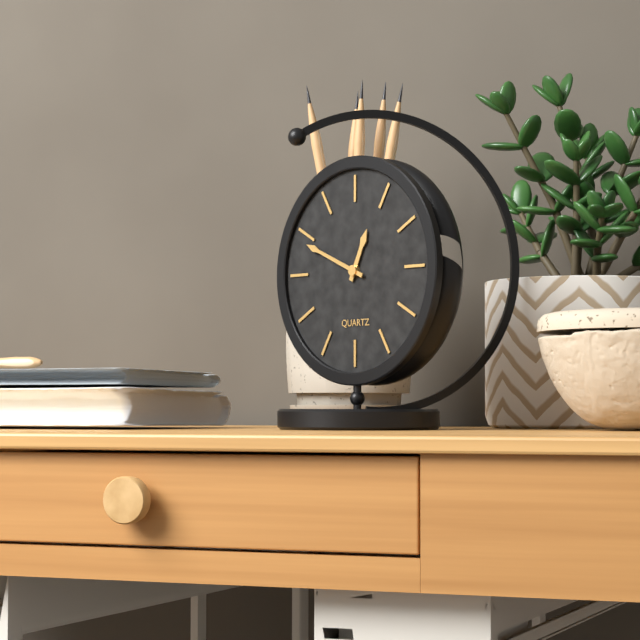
12:49
